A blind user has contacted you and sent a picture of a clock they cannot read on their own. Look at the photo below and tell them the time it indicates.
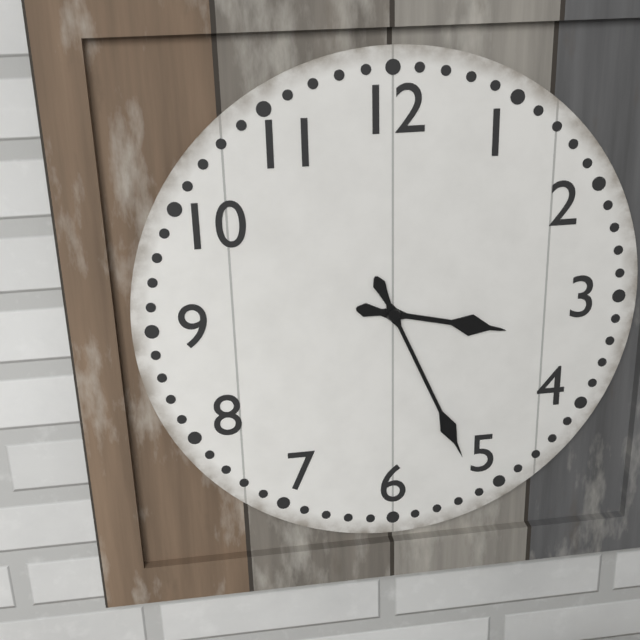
3:26
